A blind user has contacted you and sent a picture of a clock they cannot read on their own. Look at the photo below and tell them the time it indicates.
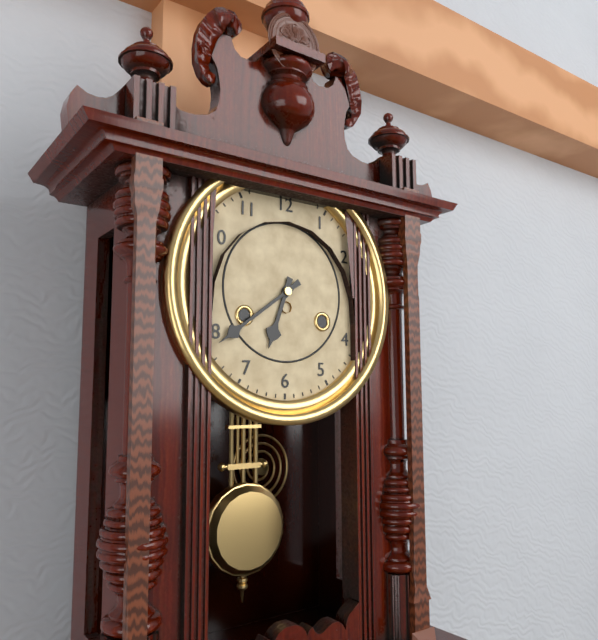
6:39
